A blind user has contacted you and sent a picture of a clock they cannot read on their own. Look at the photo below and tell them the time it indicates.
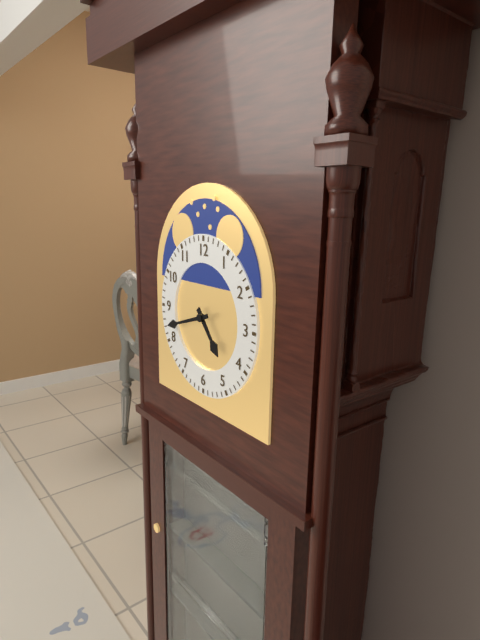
4:42
